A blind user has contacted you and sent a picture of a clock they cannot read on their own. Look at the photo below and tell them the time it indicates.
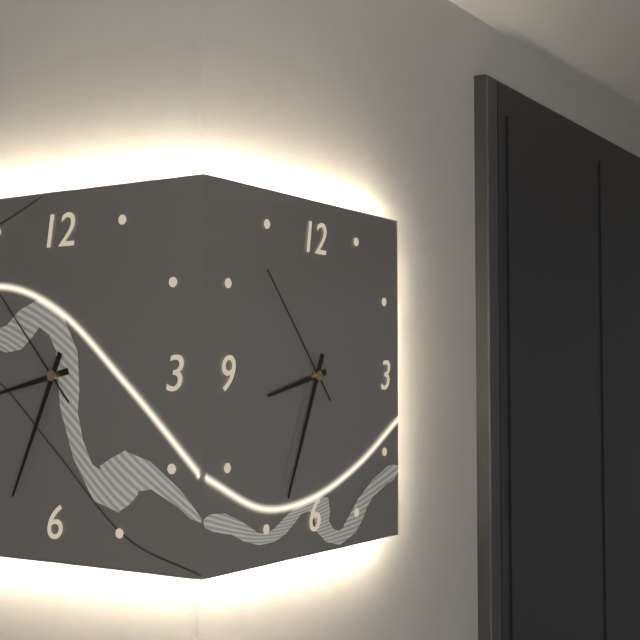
8:34:53
